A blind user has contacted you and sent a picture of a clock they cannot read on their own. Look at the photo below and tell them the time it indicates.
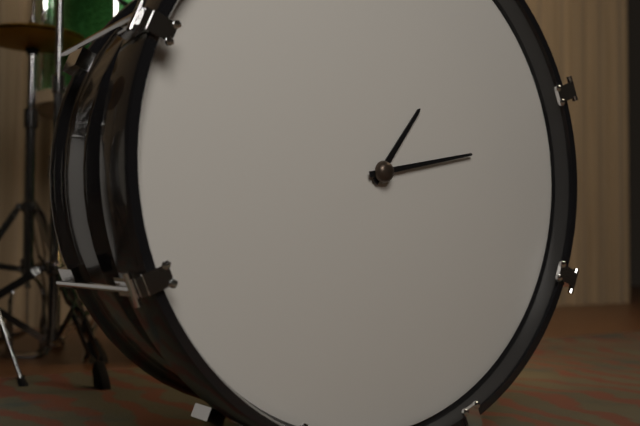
1:13
